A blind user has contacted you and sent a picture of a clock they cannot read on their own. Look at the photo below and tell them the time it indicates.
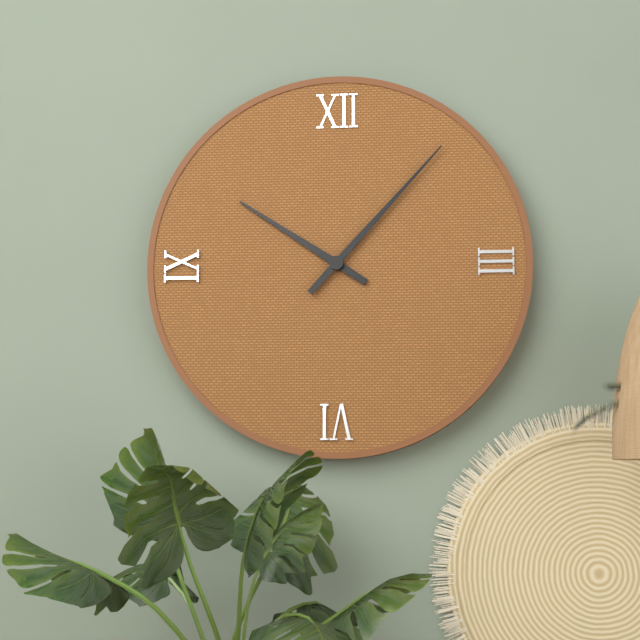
10:07
